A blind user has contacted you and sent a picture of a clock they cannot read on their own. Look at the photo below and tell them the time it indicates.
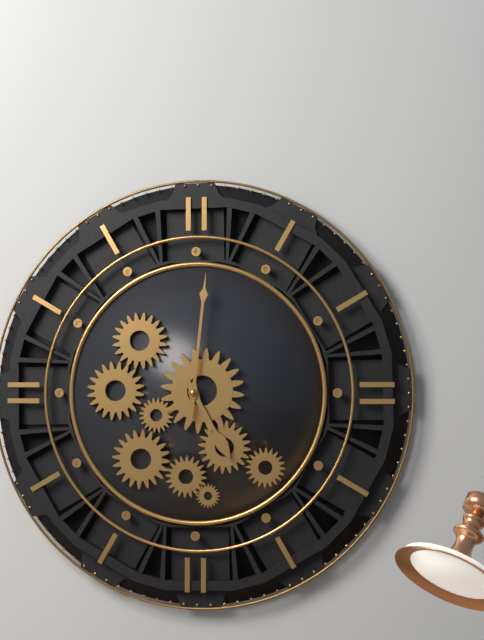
5:01
